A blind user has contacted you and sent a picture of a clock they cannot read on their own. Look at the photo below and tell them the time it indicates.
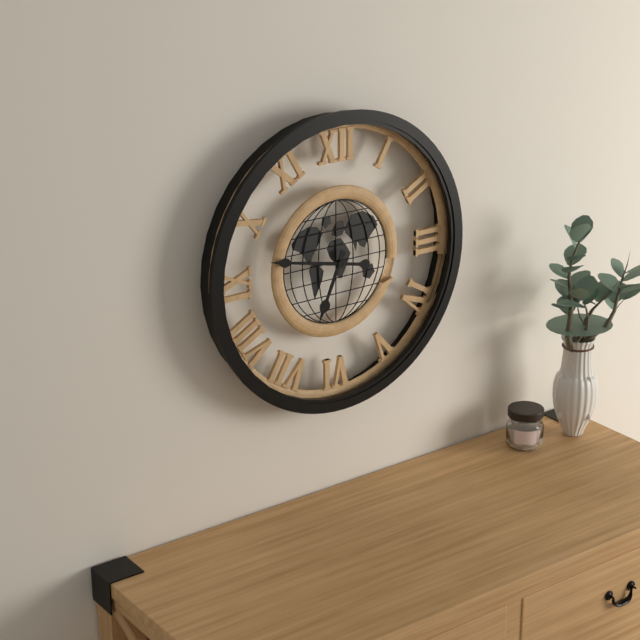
6:47
